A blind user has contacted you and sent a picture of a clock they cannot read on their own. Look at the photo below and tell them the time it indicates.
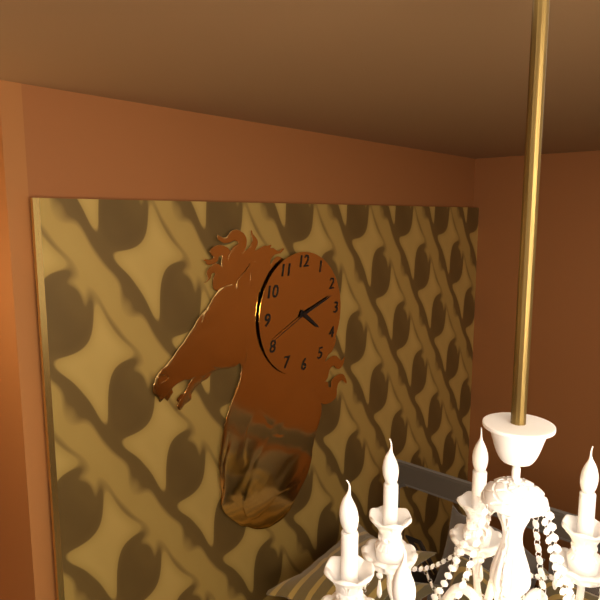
4:12:41
